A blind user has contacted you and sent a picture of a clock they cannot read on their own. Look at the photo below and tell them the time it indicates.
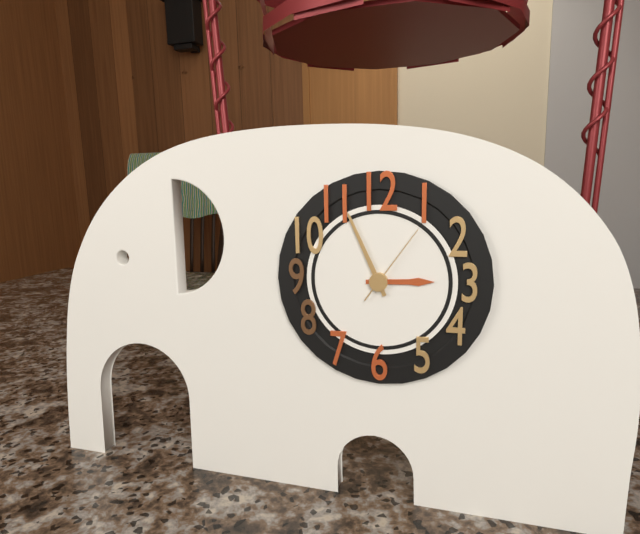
2:56:06
